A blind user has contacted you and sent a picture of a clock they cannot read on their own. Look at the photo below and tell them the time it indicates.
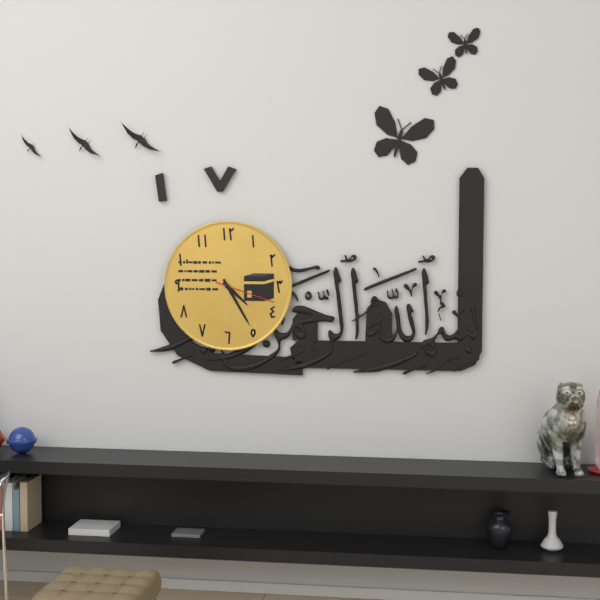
4:25:18
